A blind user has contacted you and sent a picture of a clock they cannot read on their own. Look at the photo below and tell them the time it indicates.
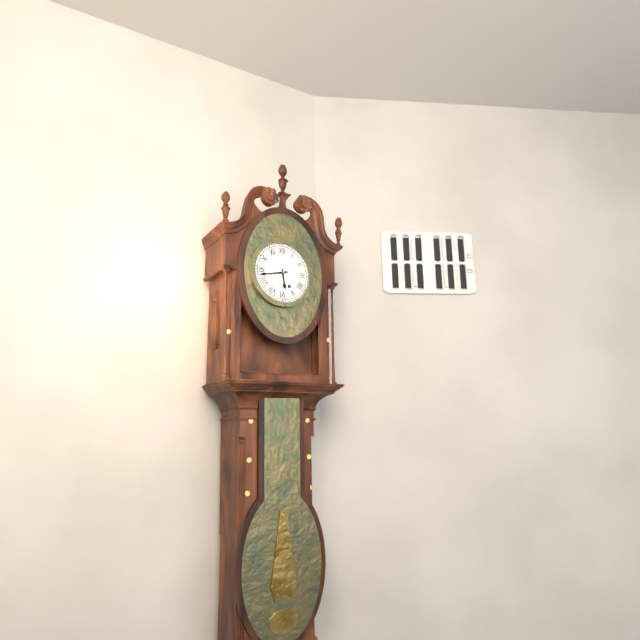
5:43
